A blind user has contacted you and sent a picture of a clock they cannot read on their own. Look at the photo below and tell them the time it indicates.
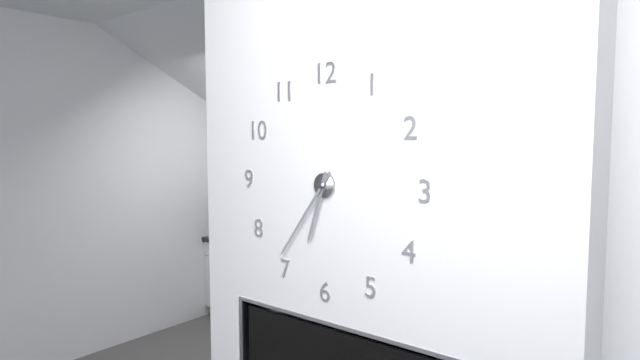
6:36
